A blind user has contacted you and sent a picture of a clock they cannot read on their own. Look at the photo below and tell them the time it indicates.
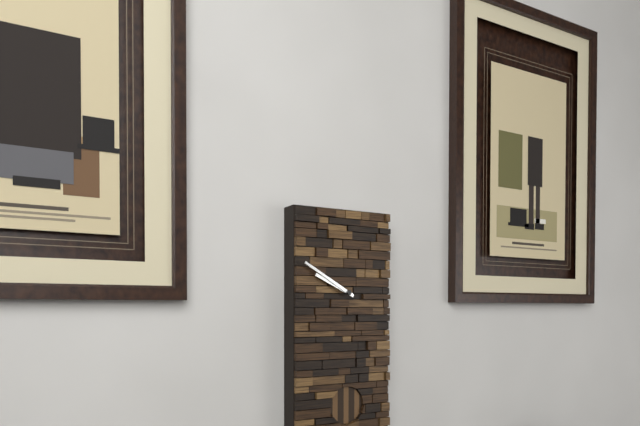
9:50
